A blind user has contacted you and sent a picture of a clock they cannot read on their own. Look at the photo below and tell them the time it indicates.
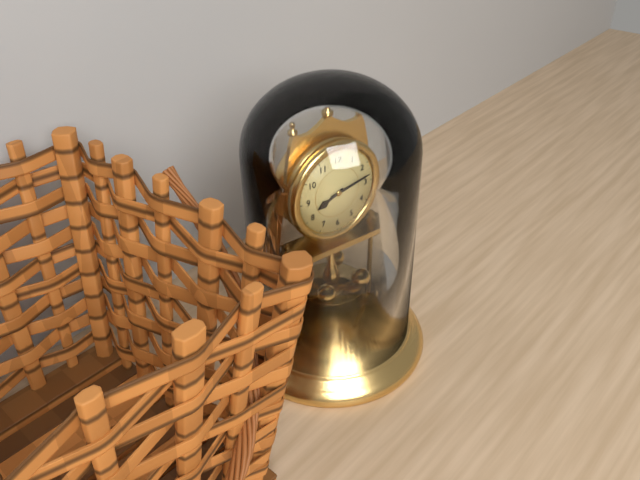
8:13
